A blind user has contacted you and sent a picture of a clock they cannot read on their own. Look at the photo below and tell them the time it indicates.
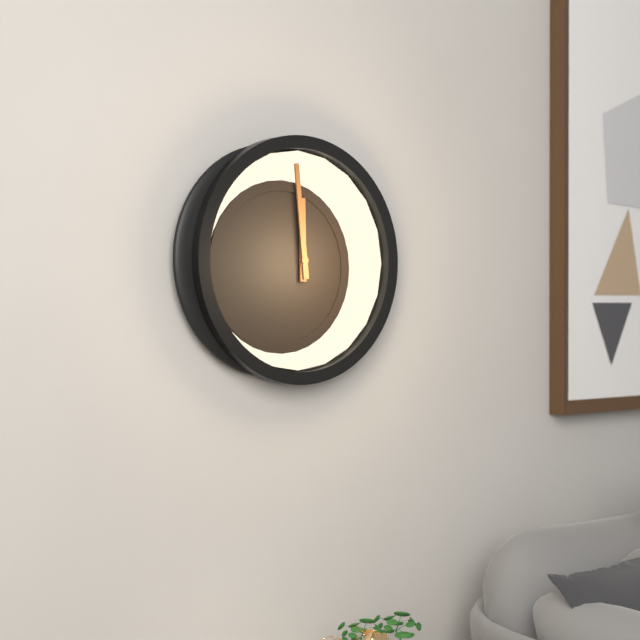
11:59
